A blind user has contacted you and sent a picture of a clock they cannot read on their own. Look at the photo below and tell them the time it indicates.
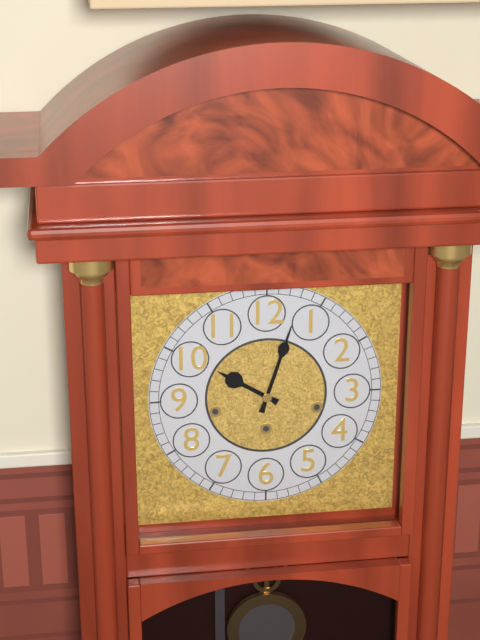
10:03
